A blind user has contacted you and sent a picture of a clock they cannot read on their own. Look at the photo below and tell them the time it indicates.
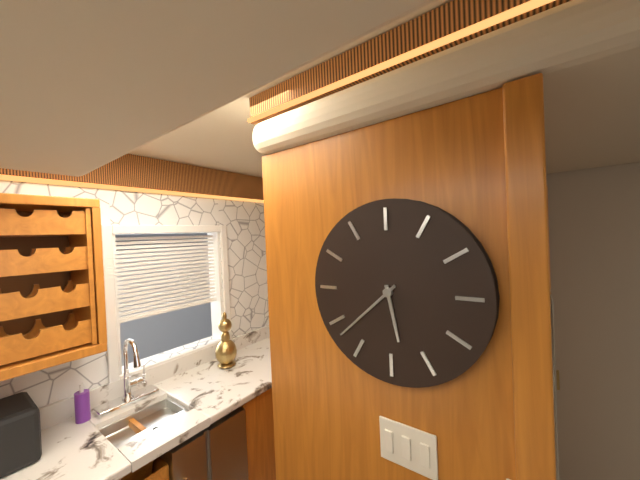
5:38
